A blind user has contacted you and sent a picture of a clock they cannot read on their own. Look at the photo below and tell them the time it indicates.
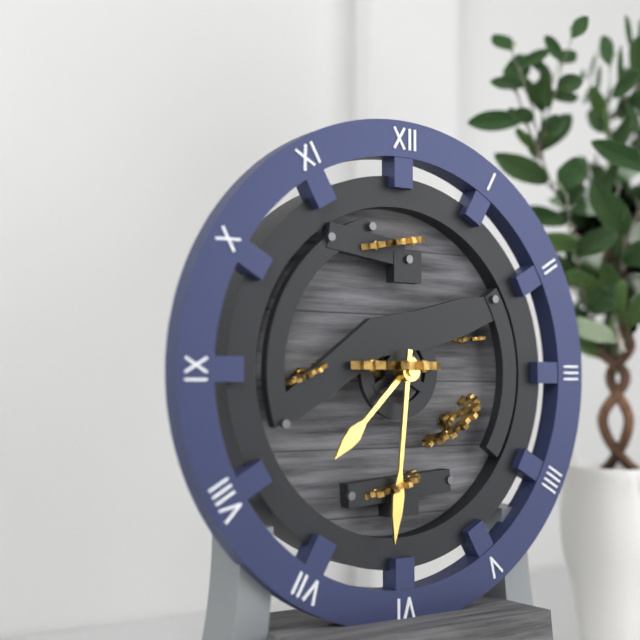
7:31
